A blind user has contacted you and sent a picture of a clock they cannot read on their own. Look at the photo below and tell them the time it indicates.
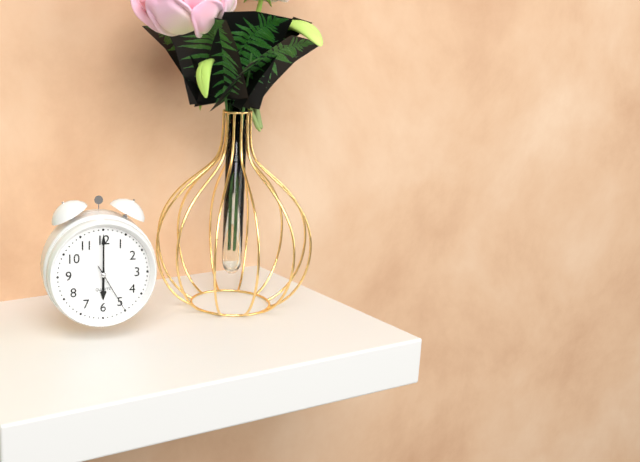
6:00:25
